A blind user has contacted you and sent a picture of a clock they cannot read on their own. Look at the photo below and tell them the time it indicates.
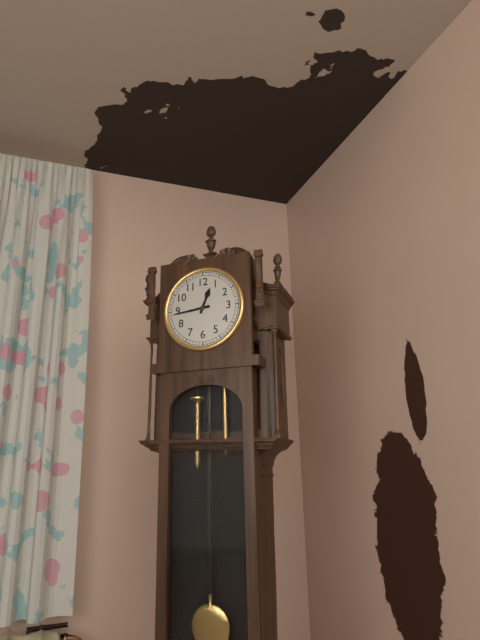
12:44
